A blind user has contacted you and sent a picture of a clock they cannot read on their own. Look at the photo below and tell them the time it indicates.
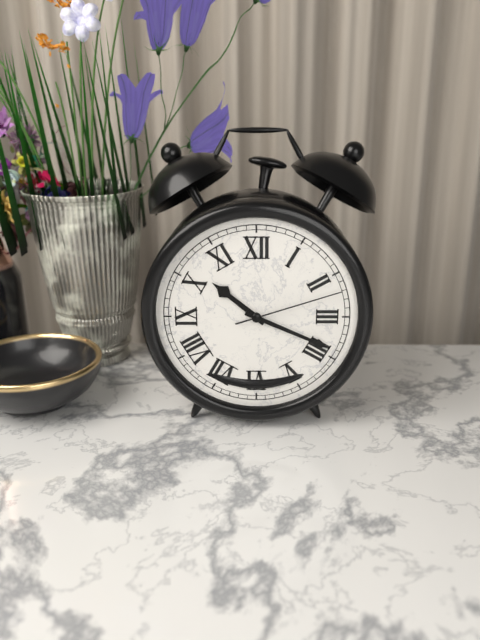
10:19:12
